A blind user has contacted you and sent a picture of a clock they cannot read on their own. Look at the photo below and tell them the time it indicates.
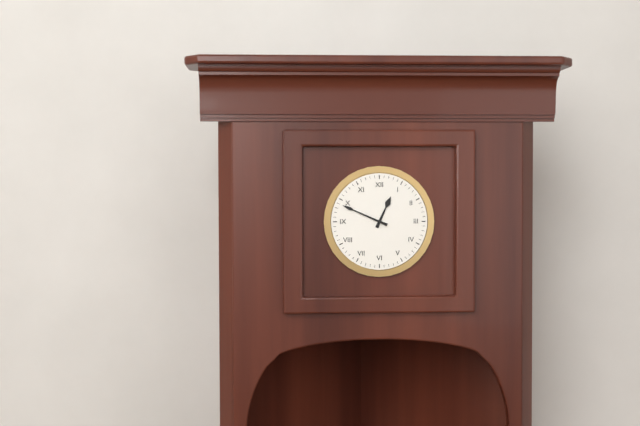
12:49
